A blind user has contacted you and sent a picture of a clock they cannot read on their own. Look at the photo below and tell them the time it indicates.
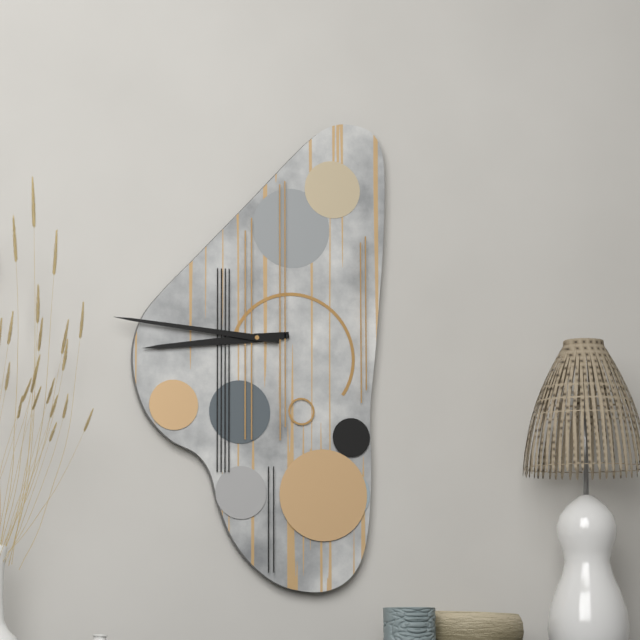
8:46
